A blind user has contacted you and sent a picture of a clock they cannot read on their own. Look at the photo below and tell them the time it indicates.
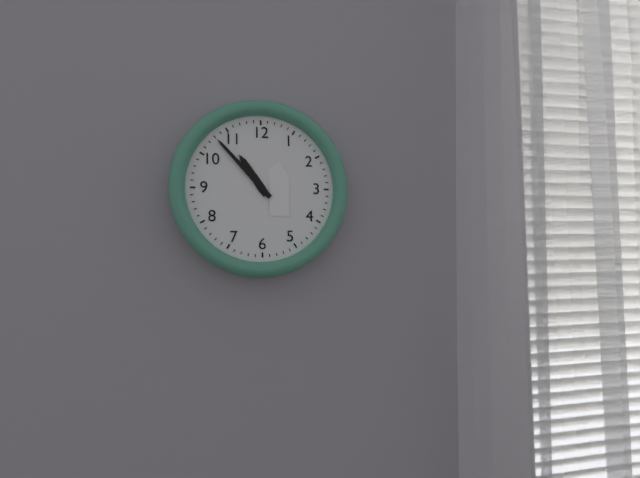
10:53
